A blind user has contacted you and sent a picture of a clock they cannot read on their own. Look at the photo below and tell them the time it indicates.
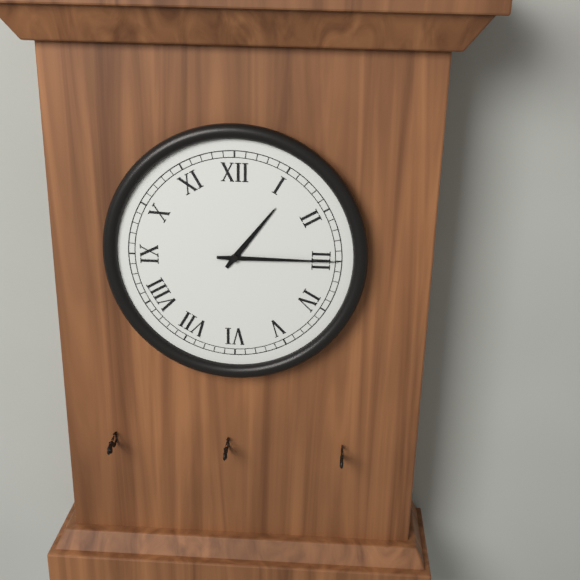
1:15
